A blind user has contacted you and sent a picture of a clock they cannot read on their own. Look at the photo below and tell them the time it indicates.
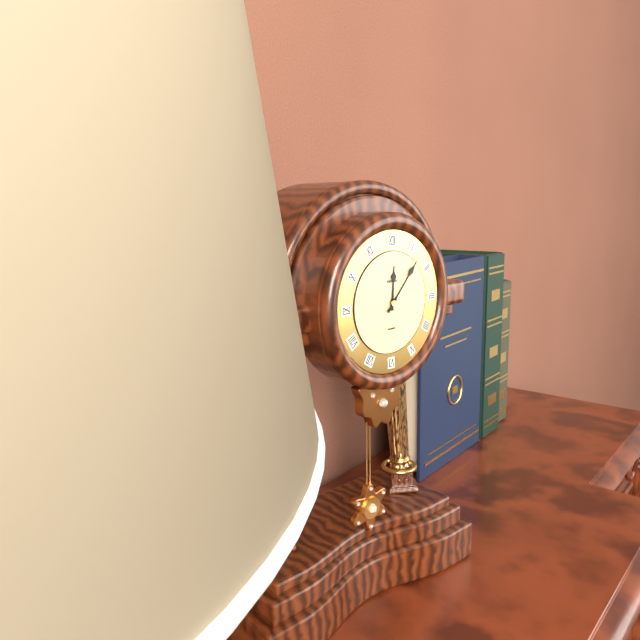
12:07
